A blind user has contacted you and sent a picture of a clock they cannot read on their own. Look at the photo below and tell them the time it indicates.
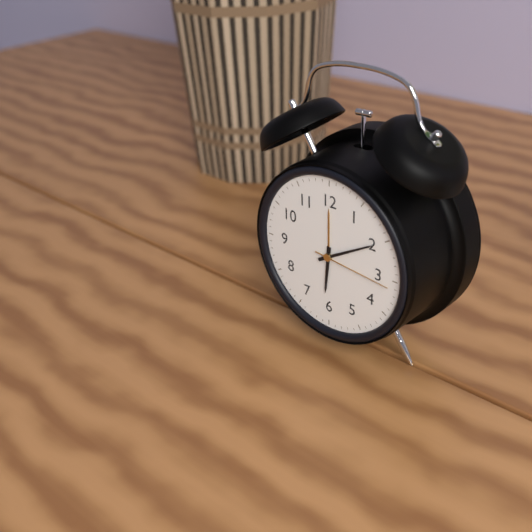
6:10:16
